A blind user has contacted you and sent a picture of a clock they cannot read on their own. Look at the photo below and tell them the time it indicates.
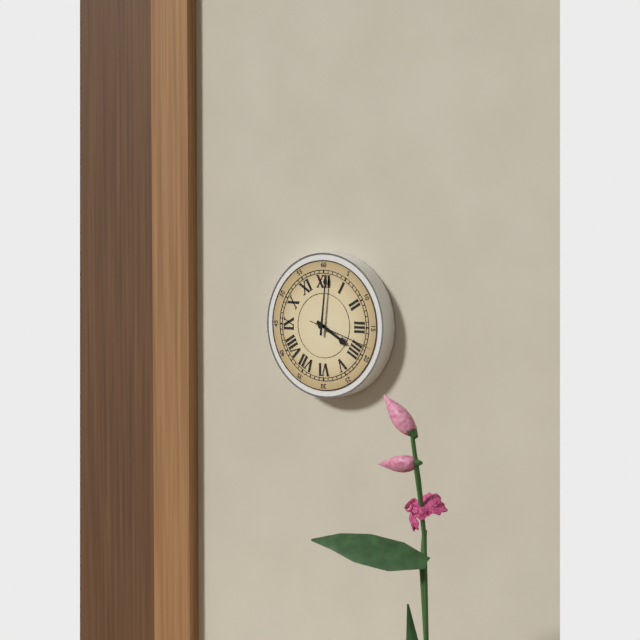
4:01:18
